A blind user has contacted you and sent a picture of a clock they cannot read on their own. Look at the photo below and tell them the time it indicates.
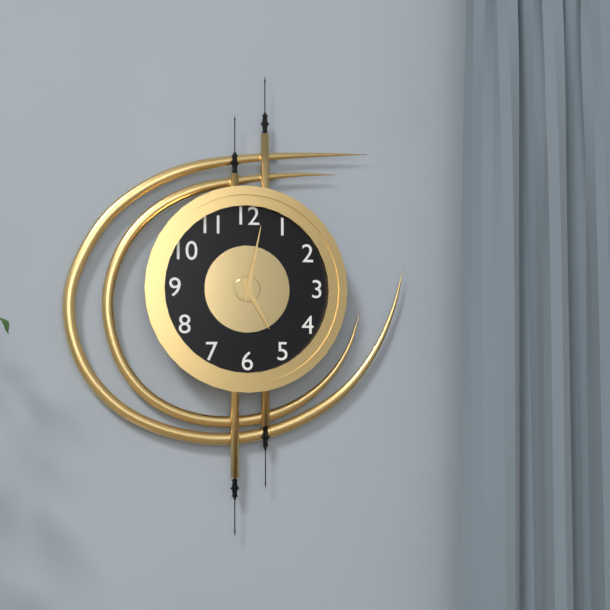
5:02
